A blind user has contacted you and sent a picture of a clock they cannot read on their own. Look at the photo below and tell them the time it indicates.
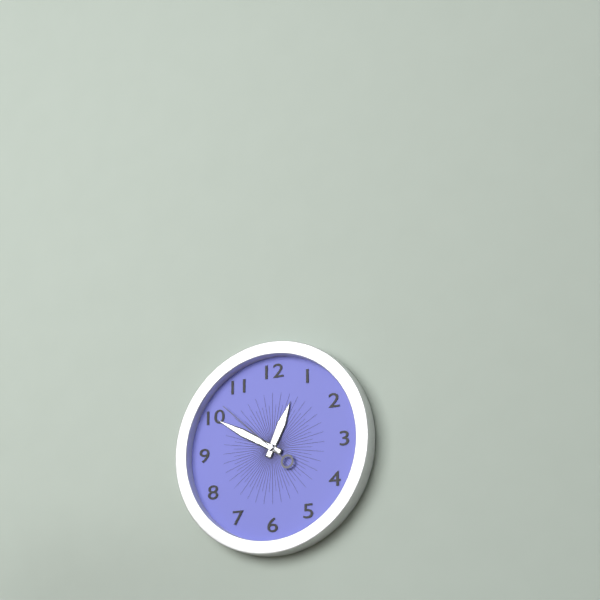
12:50:52
